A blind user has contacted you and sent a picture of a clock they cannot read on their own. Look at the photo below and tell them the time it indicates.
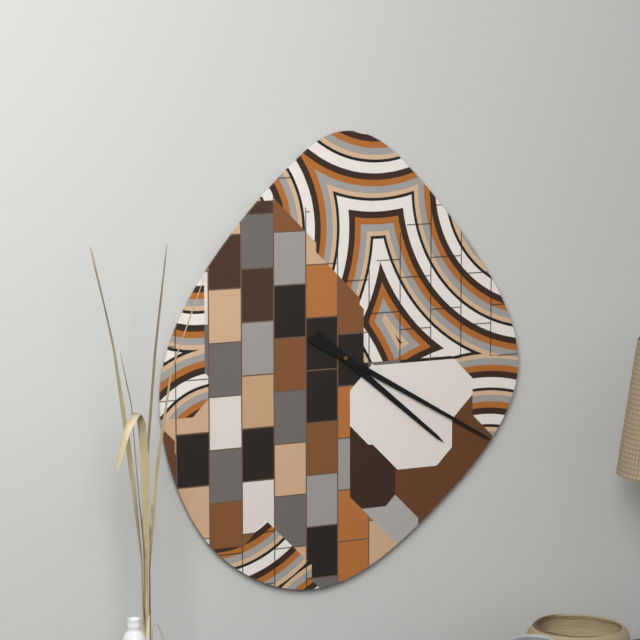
4:20
